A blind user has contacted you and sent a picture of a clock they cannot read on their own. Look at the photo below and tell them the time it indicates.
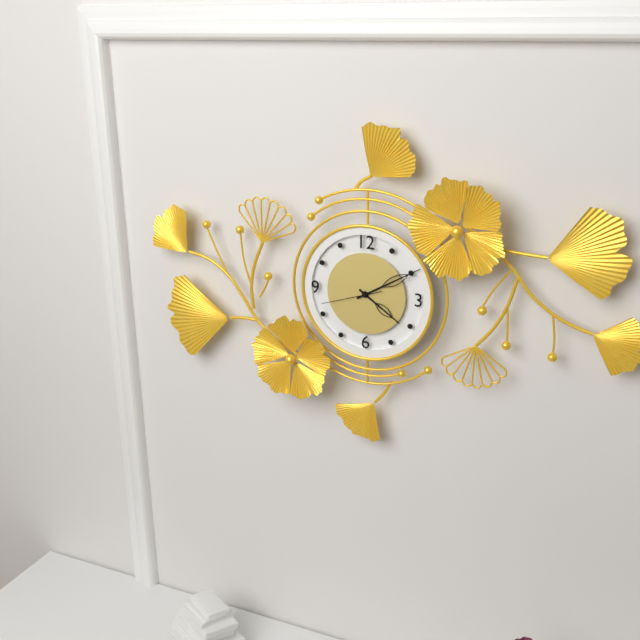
4:10:42
